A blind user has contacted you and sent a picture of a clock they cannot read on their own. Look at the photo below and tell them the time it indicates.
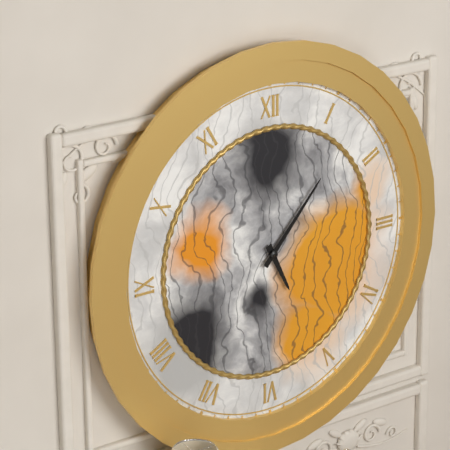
5:07
